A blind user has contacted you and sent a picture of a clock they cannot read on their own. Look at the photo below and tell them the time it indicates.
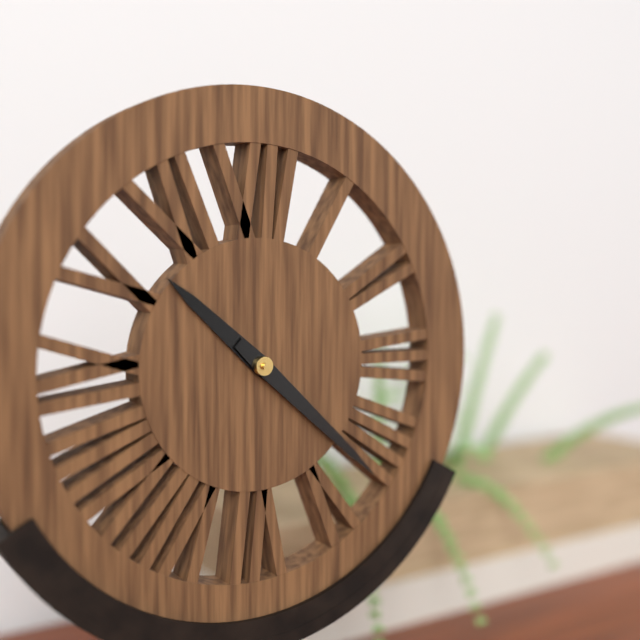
10:22
